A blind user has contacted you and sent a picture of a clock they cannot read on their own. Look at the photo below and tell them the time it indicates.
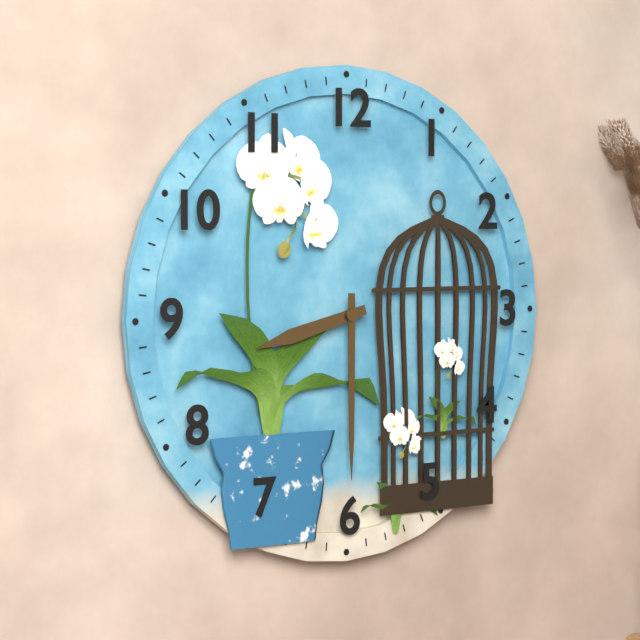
8:30
